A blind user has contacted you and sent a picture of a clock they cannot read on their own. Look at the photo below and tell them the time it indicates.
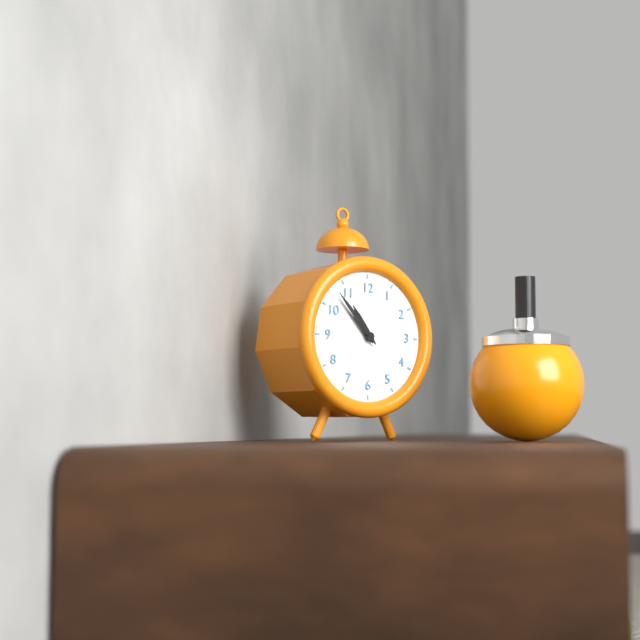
10:53
